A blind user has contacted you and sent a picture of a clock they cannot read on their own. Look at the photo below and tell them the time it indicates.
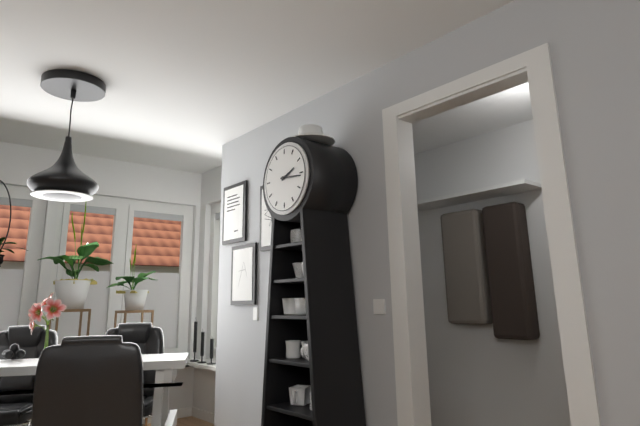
2:16
